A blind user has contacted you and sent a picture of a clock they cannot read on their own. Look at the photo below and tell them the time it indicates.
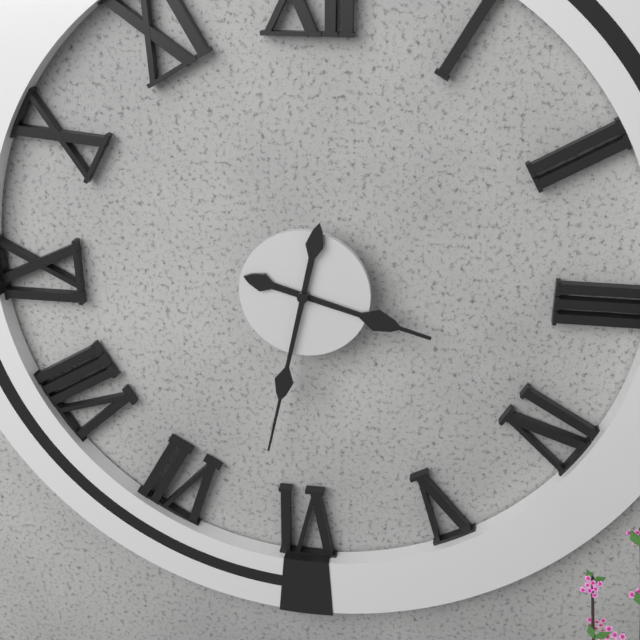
3:32
